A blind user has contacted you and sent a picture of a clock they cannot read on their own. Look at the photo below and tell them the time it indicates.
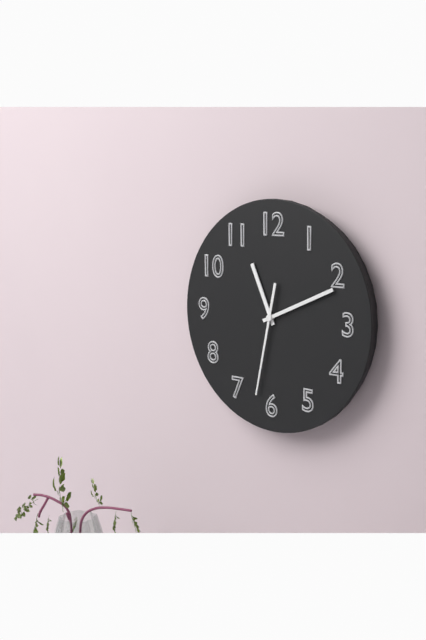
11:11:32
